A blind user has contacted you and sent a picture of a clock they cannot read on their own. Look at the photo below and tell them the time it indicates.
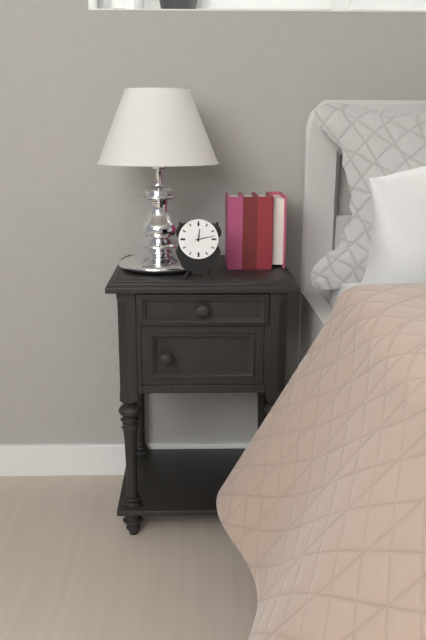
12:13
